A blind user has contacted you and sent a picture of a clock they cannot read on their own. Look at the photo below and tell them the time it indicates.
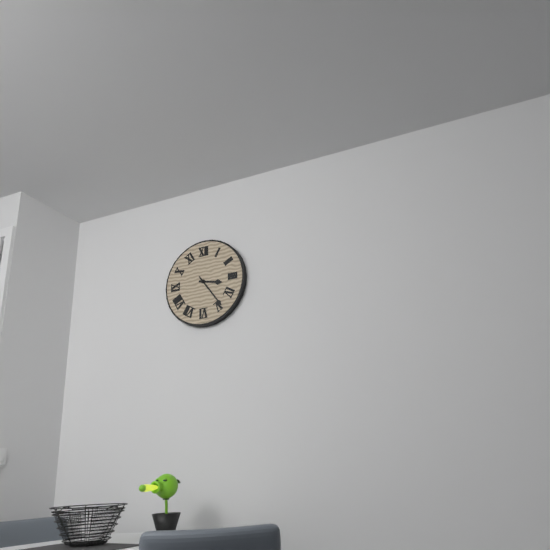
3:24
